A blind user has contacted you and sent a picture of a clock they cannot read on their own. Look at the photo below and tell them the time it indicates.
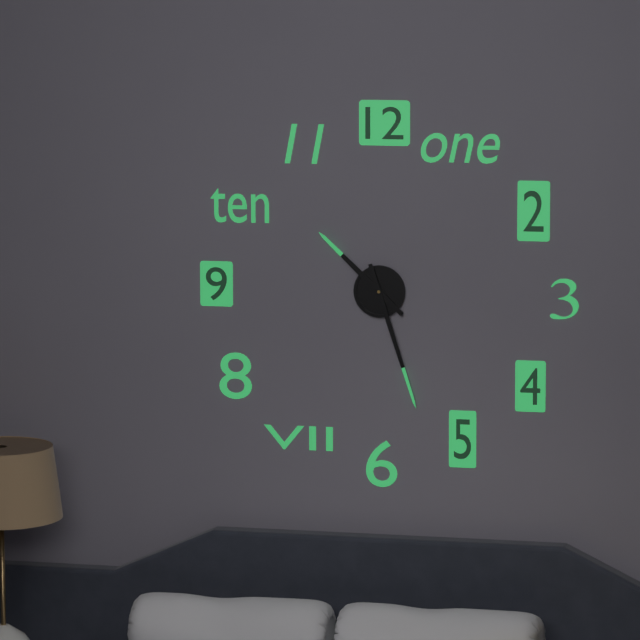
10:27
